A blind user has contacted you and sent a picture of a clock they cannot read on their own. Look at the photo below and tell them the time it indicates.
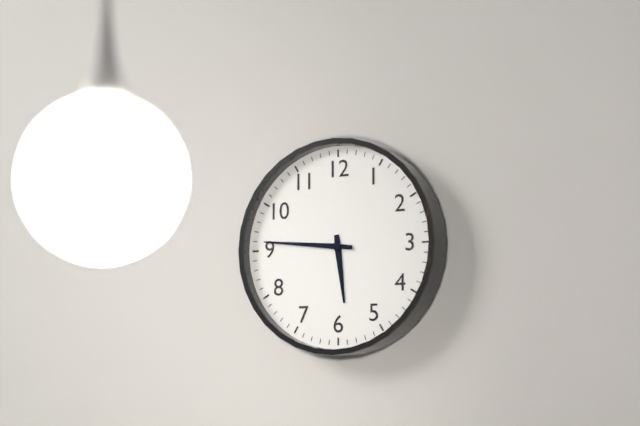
5:46
